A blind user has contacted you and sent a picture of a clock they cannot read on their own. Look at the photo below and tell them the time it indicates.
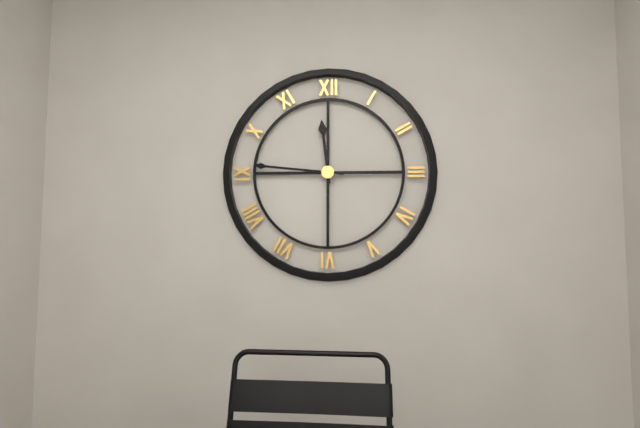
11:46
